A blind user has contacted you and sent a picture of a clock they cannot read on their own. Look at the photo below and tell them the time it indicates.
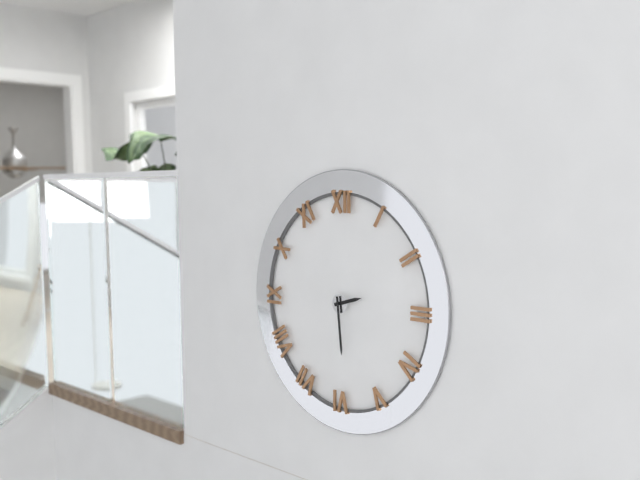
2:29
